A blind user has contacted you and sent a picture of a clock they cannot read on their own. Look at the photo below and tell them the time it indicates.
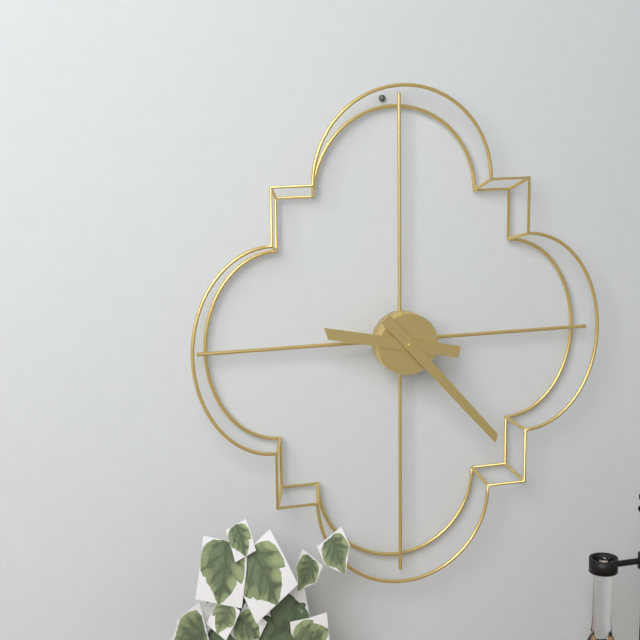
9:23
